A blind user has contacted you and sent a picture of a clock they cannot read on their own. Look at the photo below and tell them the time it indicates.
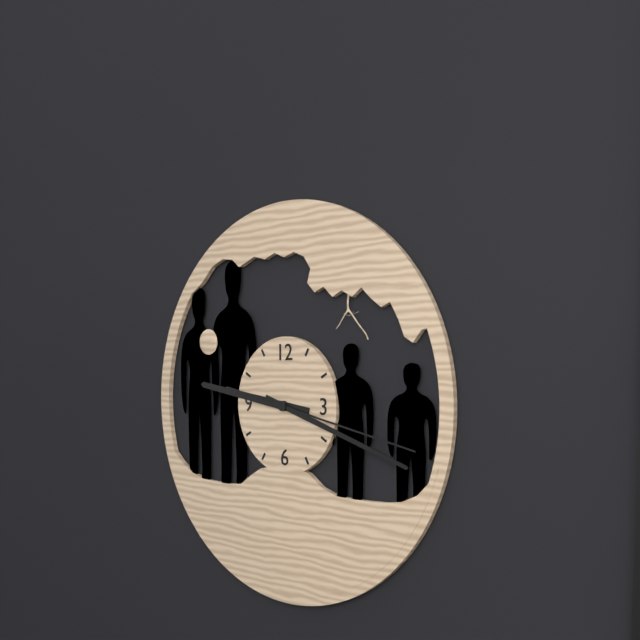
9:18:17
